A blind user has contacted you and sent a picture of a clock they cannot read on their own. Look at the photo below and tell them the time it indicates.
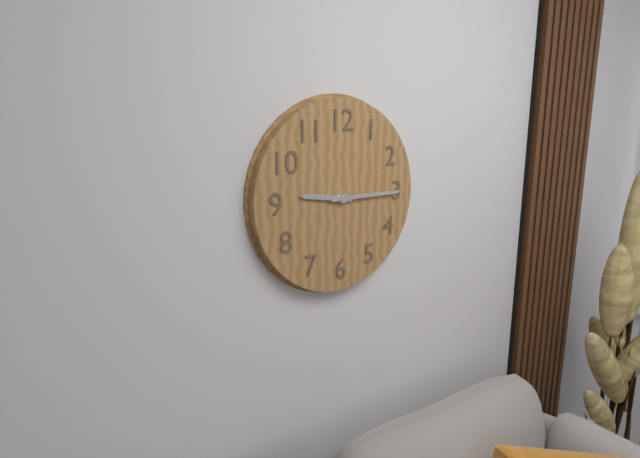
9:15
